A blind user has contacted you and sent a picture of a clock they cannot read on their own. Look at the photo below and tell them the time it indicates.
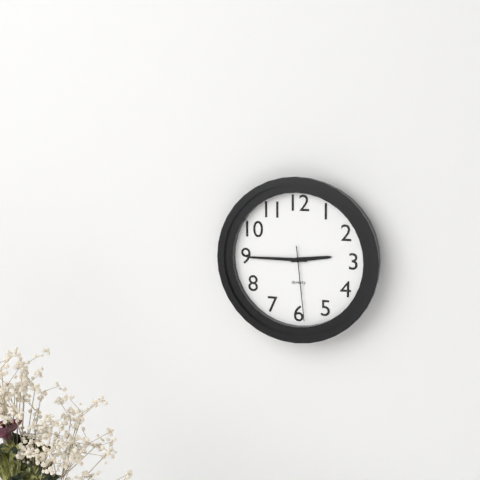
2:45:29
